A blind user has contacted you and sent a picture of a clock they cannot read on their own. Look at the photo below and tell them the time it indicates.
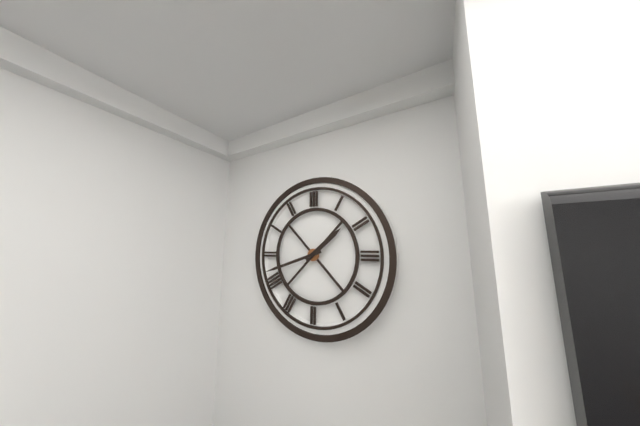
1:42
